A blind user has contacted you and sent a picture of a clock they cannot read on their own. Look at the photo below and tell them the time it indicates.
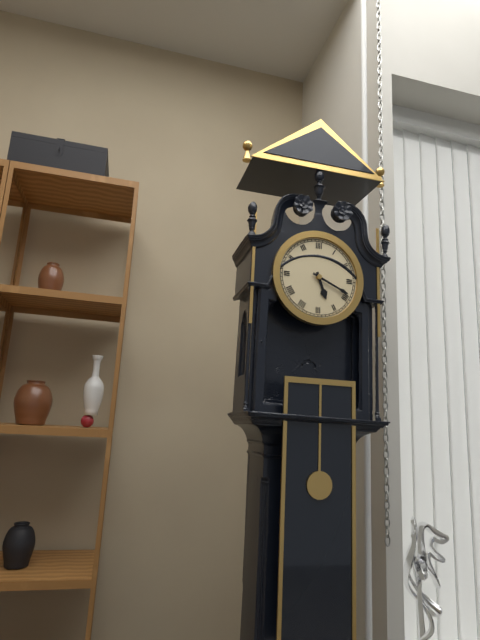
5:19
